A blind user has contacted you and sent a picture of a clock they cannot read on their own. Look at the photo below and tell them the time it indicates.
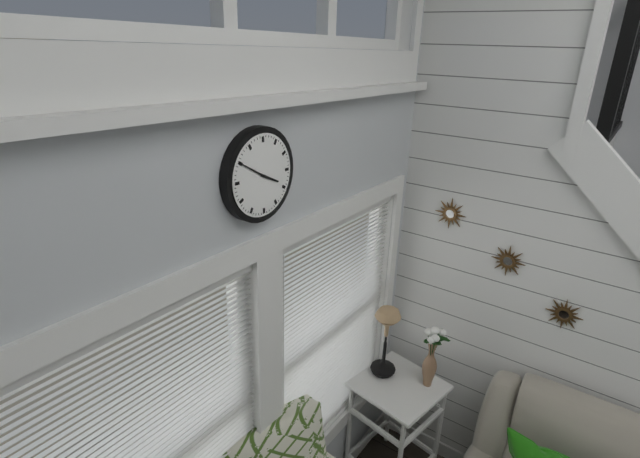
3:50
